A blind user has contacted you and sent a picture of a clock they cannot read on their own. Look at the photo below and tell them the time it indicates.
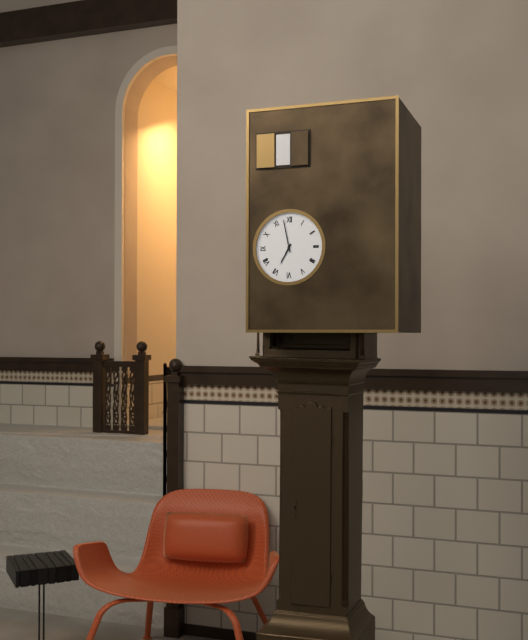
6:58
